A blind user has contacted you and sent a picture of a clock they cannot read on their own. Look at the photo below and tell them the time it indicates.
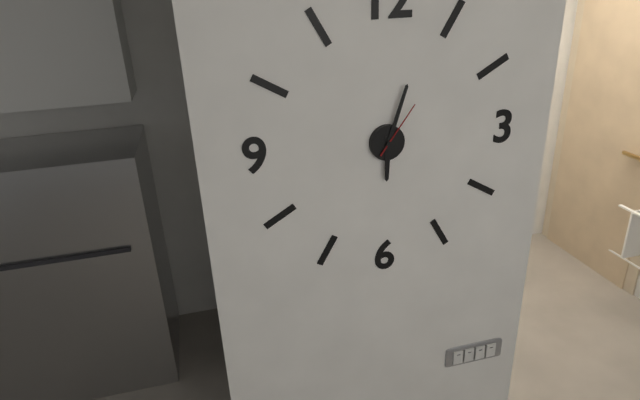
6:03:06
